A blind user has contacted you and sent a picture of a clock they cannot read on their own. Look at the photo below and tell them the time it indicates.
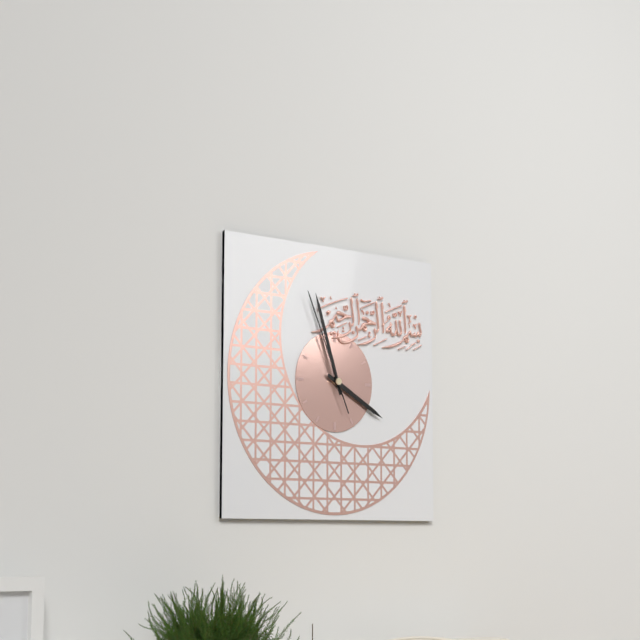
3:57:56
